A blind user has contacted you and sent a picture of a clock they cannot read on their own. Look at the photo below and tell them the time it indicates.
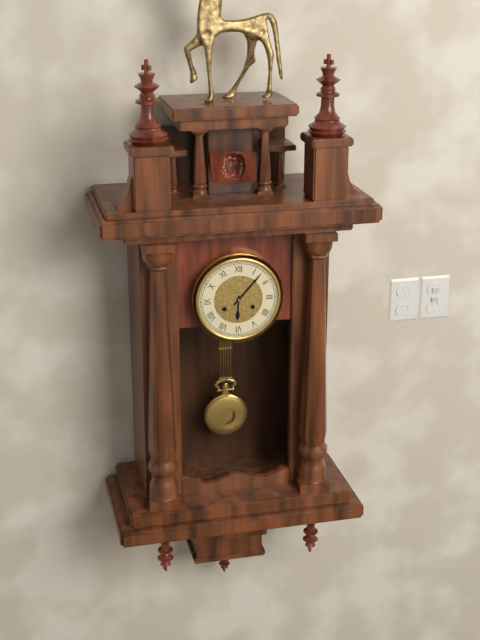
6:07
